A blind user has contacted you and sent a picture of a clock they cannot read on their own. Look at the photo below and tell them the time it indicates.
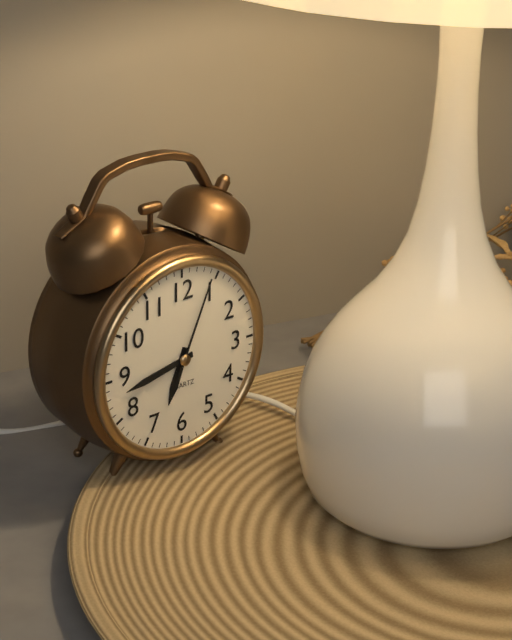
6:43:04
